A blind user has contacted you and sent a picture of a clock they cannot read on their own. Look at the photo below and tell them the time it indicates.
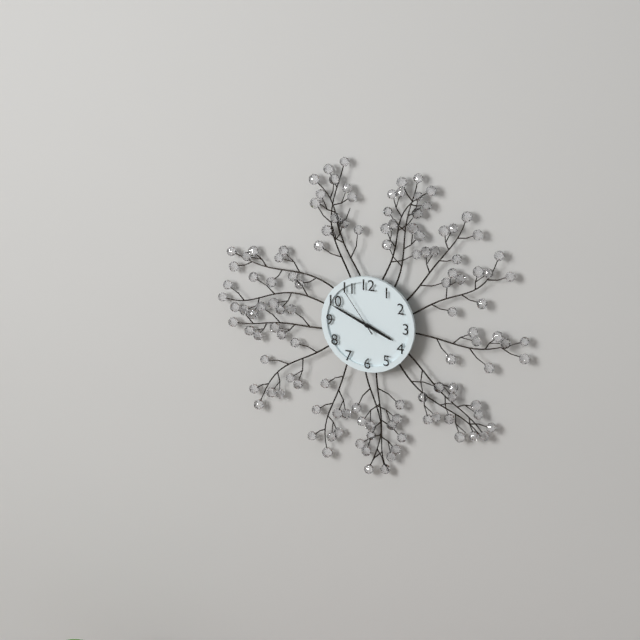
3:49:54
